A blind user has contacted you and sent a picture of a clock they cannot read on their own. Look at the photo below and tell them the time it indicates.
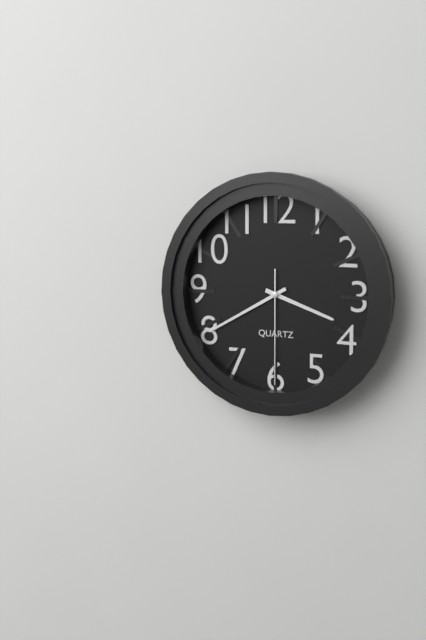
3:40:30
